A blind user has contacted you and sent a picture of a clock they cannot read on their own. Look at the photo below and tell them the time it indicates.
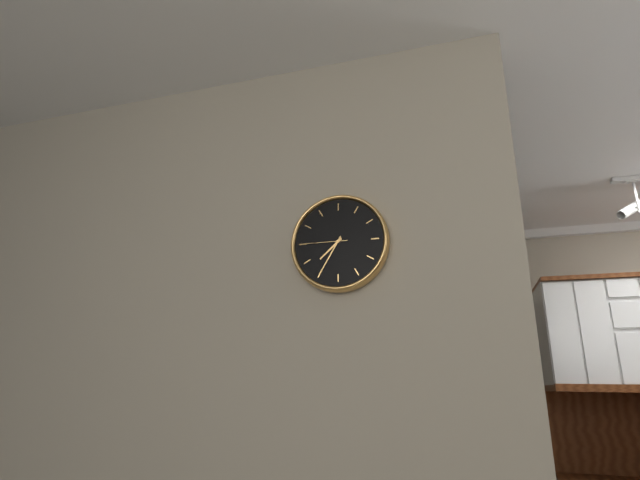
7:35:45
